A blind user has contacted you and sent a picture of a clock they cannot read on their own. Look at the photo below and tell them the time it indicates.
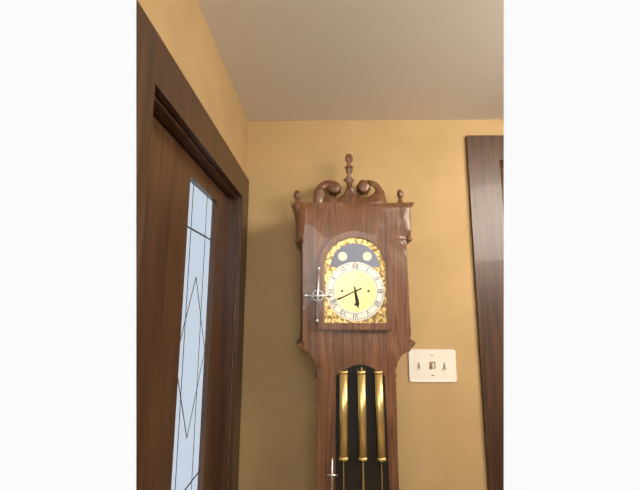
5:41
